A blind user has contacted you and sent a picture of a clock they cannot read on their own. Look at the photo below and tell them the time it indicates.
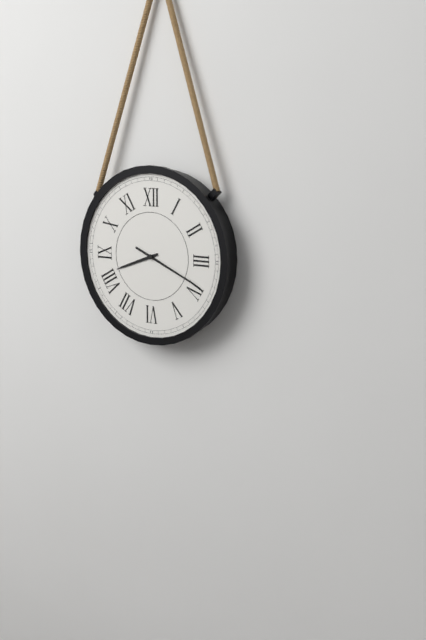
8:19
